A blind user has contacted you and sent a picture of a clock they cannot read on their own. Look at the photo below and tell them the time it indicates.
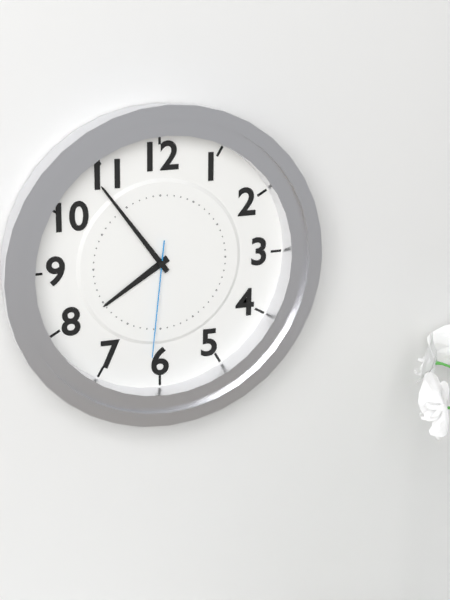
7:54:31
